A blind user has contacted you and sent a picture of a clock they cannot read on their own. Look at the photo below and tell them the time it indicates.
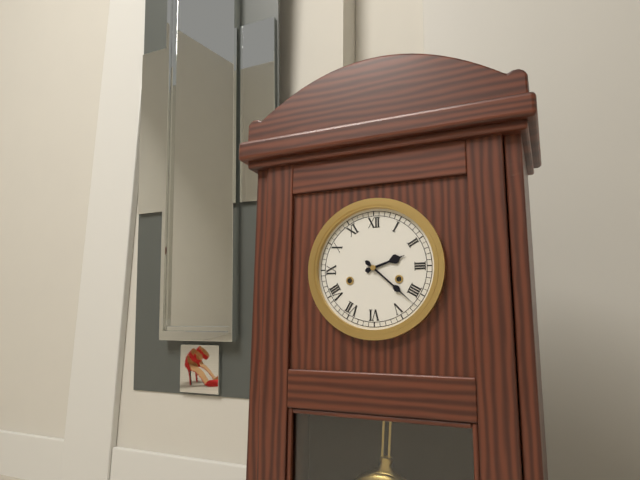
2:22
